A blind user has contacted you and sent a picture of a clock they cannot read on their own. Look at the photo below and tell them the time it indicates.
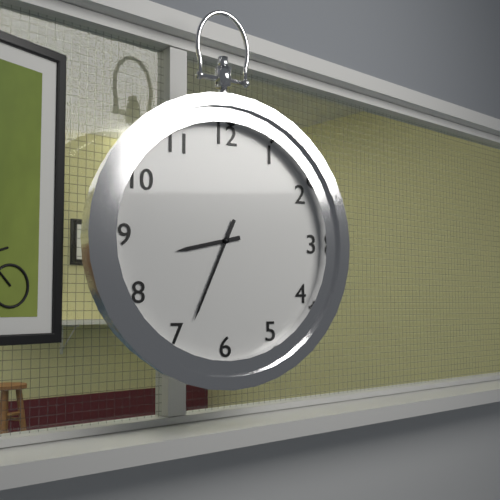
8:34
